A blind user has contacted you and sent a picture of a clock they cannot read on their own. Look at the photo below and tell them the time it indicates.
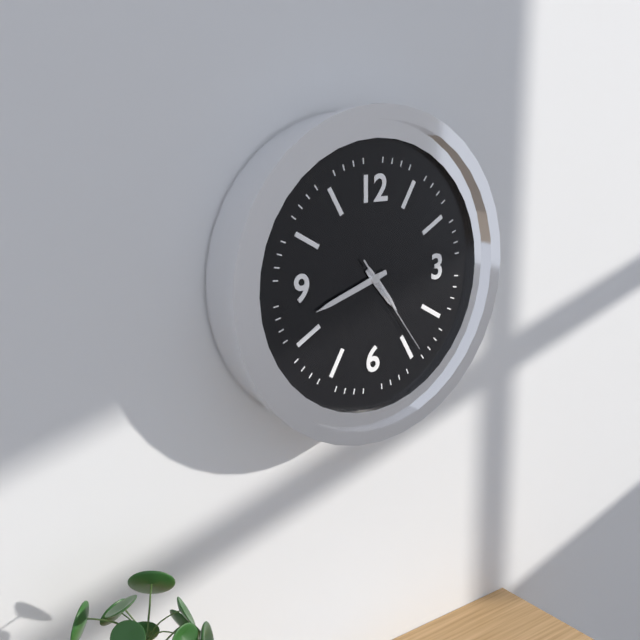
4:42:24
